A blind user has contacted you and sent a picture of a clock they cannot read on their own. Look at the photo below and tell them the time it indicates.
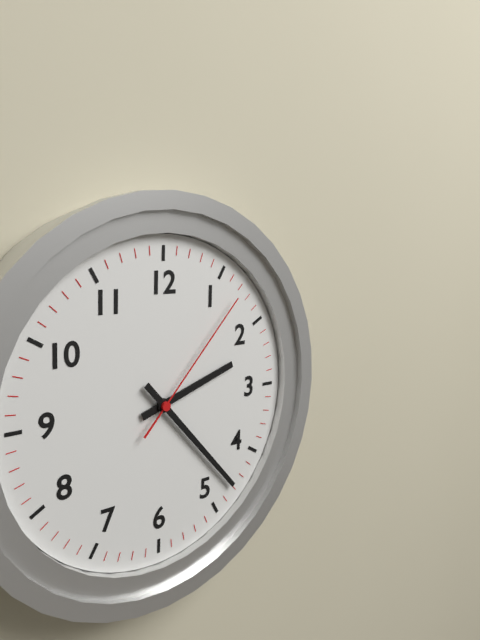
2:23:07
